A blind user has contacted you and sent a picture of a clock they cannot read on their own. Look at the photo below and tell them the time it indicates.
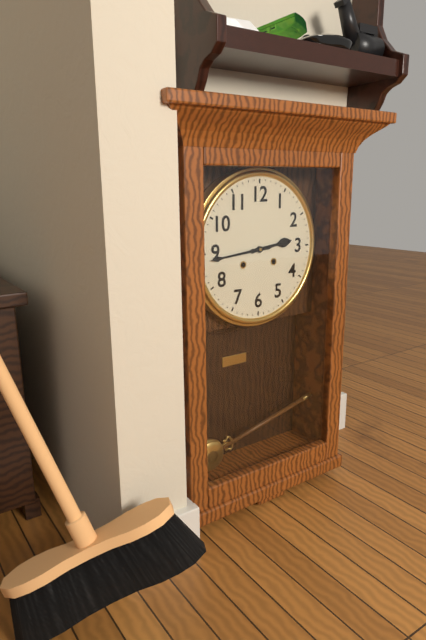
2:44
